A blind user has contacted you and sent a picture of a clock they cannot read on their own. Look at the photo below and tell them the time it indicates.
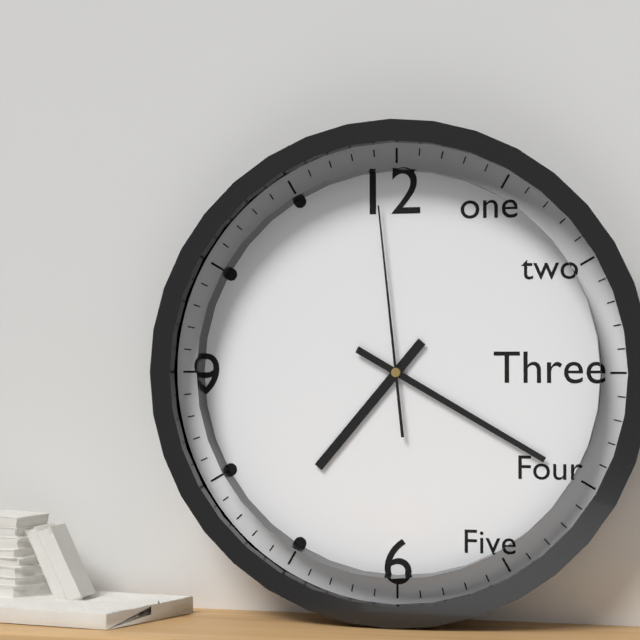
7:20:59
